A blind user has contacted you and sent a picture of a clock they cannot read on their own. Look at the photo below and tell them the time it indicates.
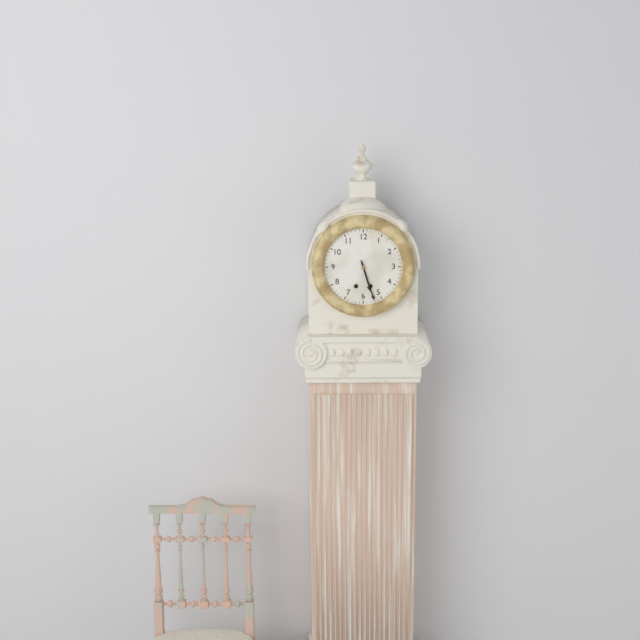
5:27
